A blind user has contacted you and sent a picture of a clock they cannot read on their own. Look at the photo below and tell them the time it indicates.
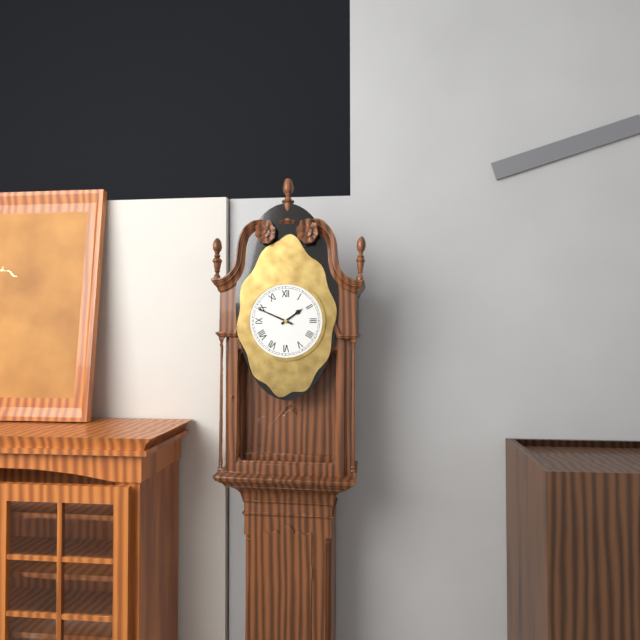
1:49
